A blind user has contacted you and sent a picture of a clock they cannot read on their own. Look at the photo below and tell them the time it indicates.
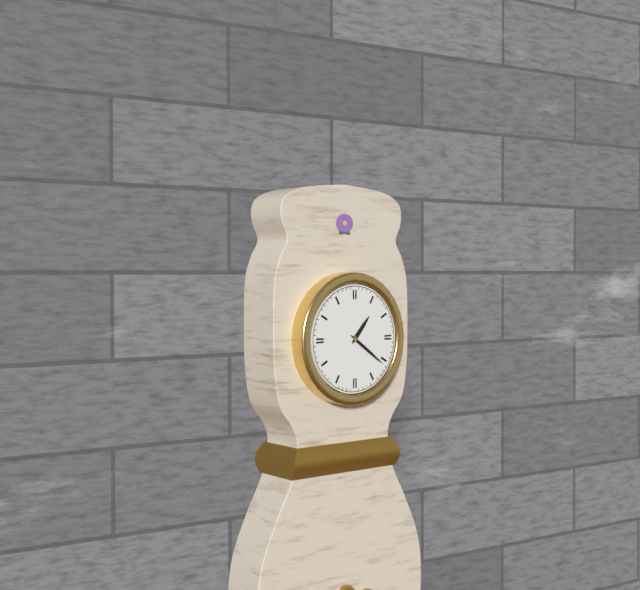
1:21
